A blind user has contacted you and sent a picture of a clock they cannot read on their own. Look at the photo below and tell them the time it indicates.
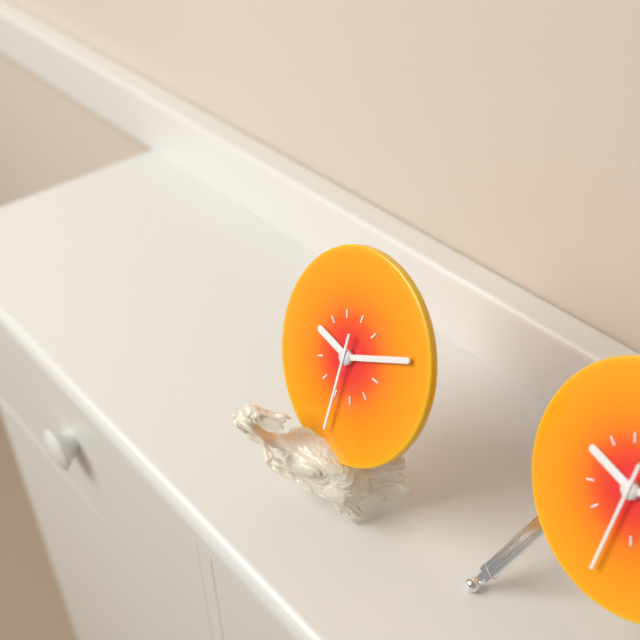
9:10:29
